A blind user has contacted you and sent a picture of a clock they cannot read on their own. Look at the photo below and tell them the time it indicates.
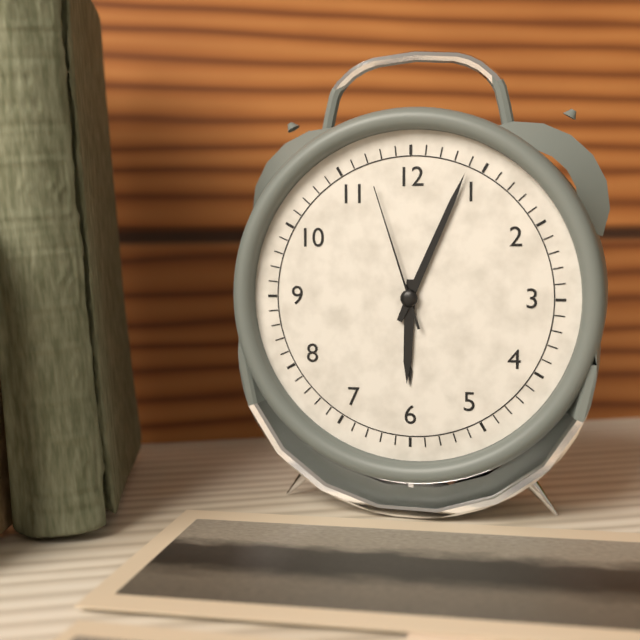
6:04:57
